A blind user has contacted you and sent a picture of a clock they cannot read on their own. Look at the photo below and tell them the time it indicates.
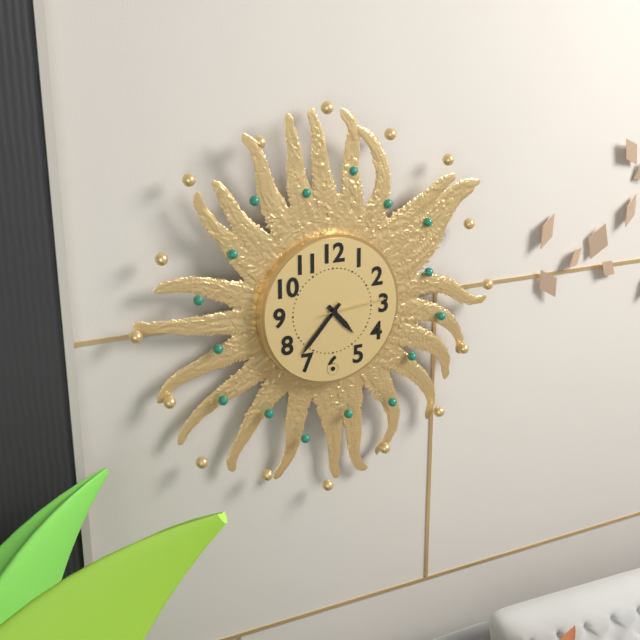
4:37:14
